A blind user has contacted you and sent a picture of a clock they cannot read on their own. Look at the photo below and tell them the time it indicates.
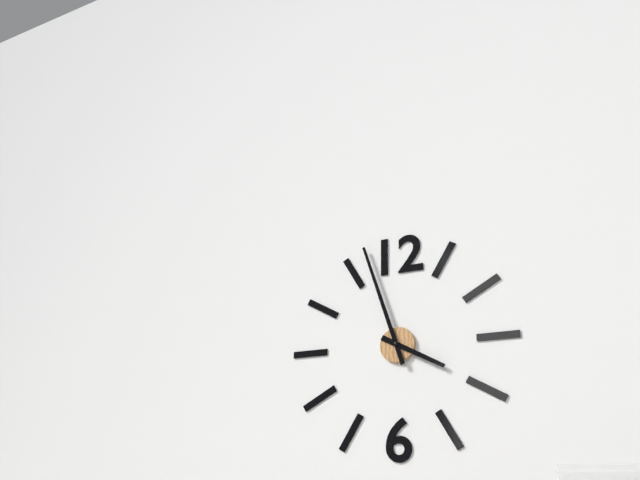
3:57
